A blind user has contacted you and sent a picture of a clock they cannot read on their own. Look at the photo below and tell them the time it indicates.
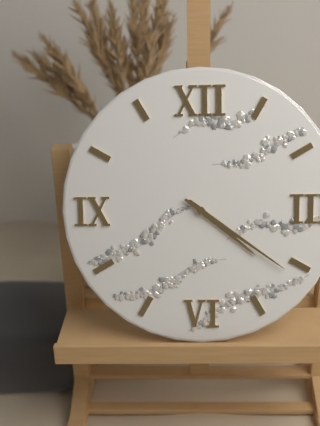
4:21
